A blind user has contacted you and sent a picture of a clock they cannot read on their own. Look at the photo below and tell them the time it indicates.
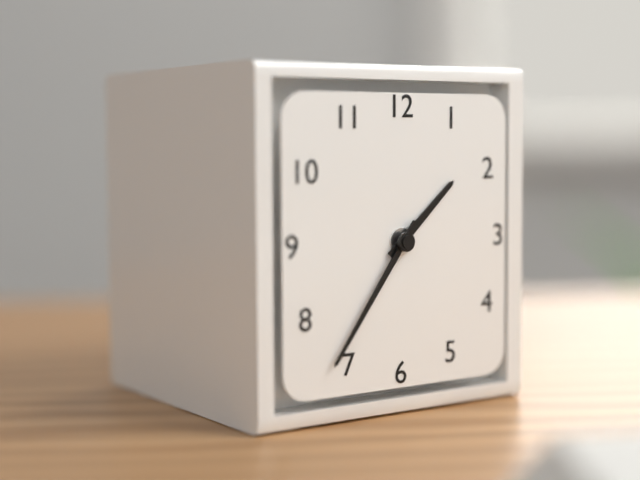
1:36
